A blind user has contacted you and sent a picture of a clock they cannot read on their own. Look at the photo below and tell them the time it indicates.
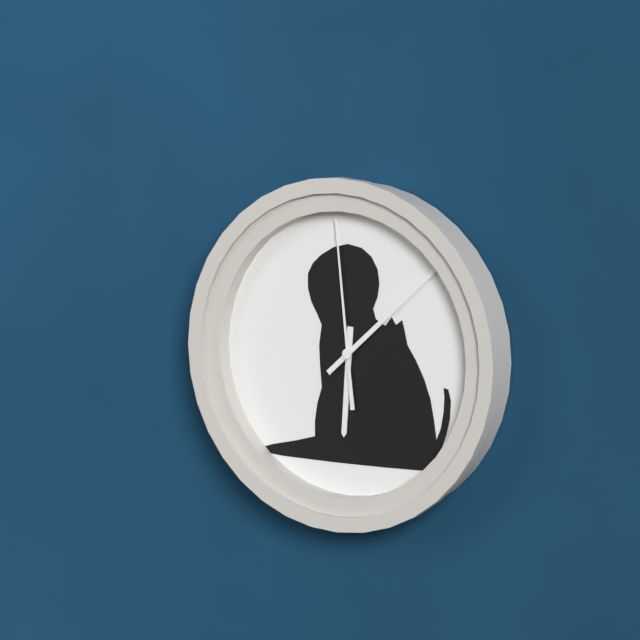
6:08:59
